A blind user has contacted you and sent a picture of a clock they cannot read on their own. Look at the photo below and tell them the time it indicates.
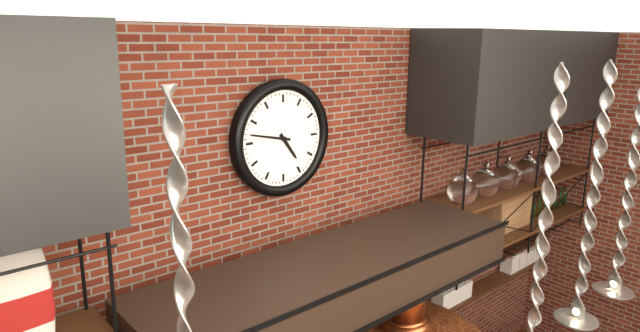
4:47
